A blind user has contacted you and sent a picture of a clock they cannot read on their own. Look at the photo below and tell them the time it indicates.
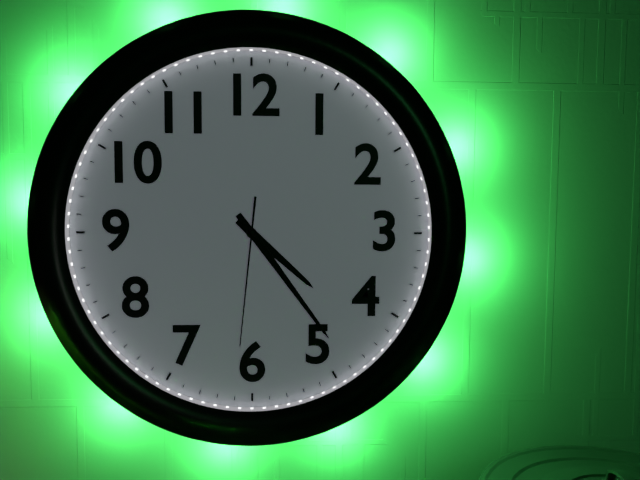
4:24:31
